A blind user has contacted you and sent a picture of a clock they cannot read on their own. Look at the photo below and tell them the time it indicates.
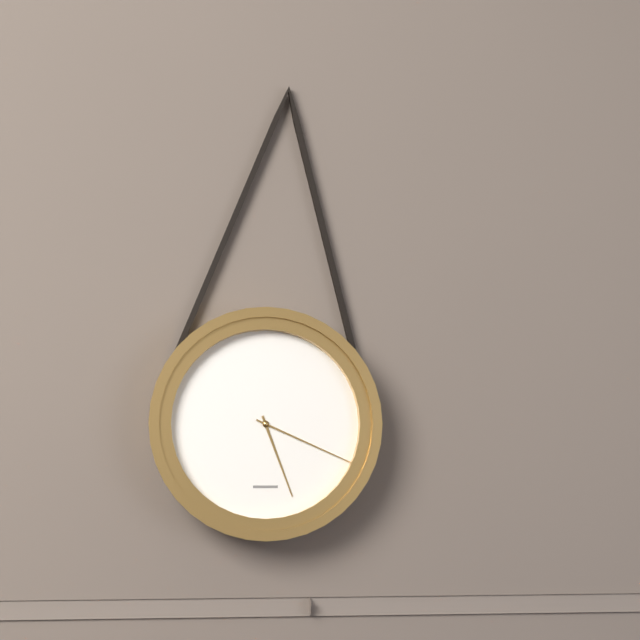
5:19
